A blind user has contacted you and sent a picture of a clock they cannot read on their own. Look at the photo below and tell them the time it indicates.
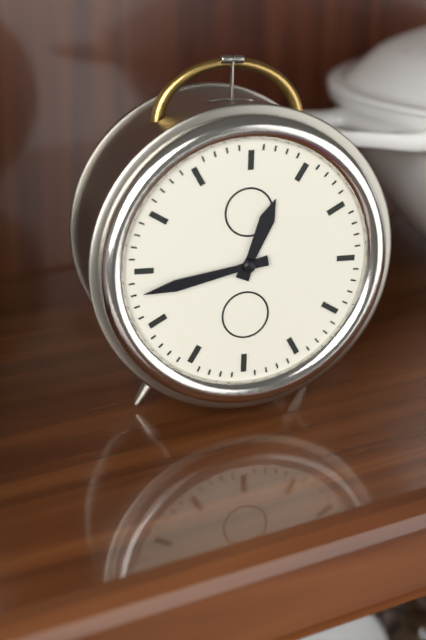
12:43
